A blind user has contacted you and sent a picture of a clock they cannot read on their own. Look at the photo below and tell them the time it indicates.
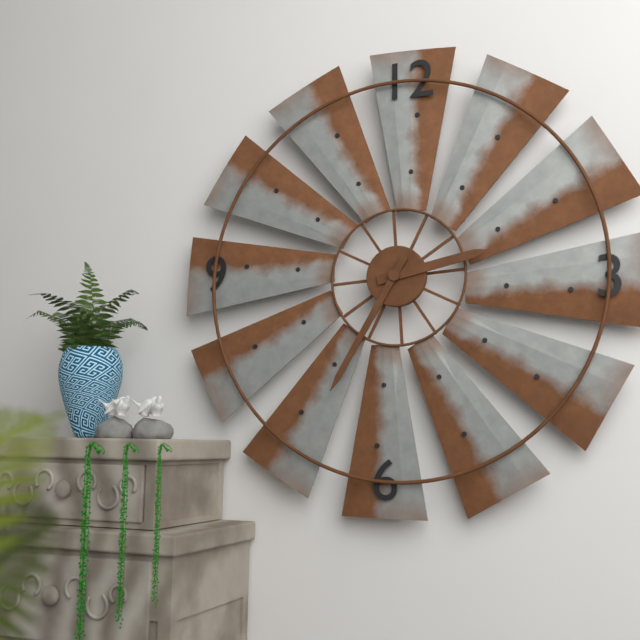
2:35
